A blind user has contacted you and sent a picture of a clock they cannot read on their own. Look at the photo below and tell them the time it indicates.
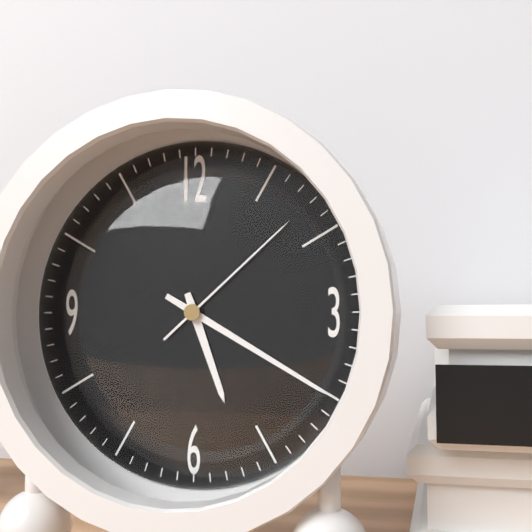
5:20:08
